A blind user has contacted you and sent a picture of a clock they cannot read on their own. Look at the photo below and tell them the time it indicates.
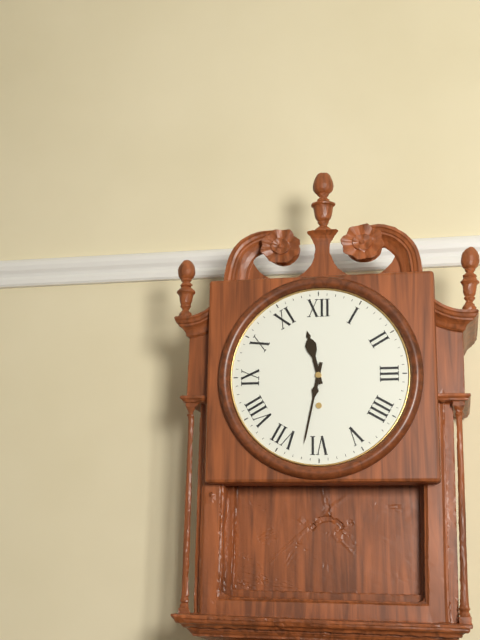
11:32
